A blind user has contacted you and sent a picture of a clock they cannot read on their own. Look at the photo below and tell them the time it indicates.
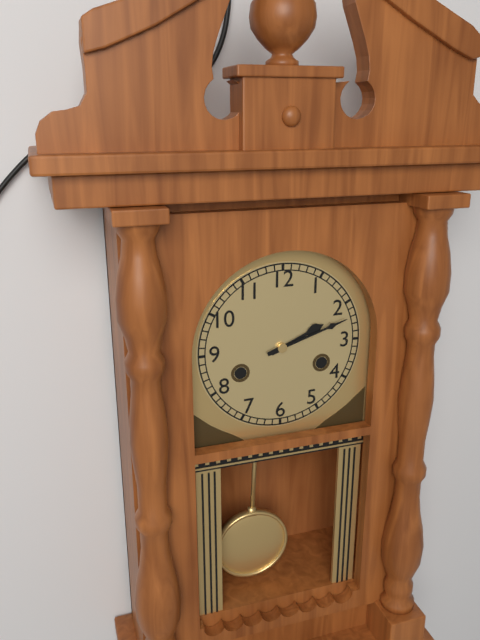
2:12
